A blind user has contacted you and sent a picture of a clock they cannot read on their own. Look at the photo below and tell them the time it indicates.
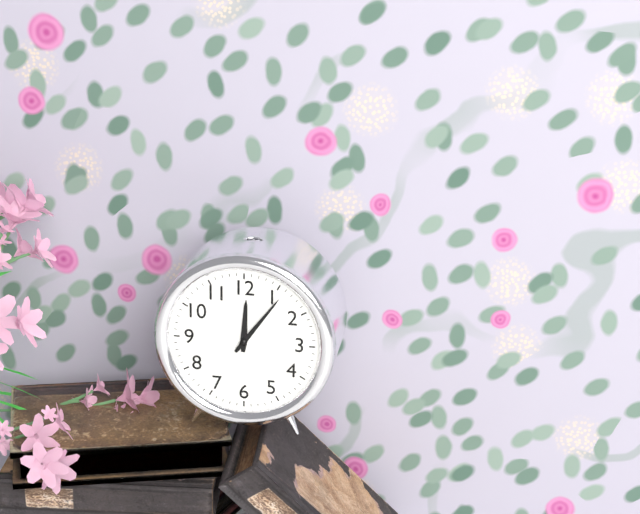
12:06
